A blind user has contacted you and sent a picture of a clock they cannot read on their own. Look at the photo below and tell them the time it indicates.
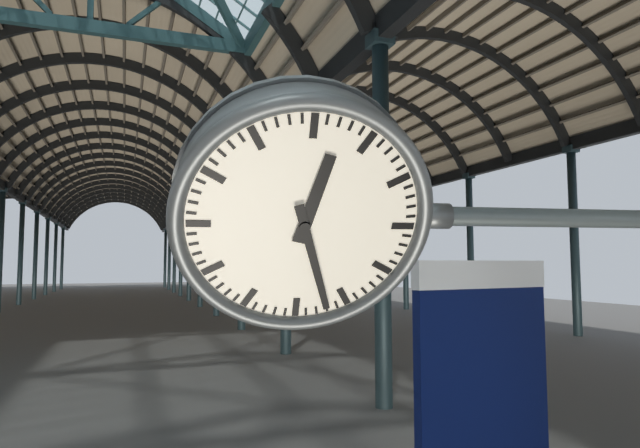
12:27
